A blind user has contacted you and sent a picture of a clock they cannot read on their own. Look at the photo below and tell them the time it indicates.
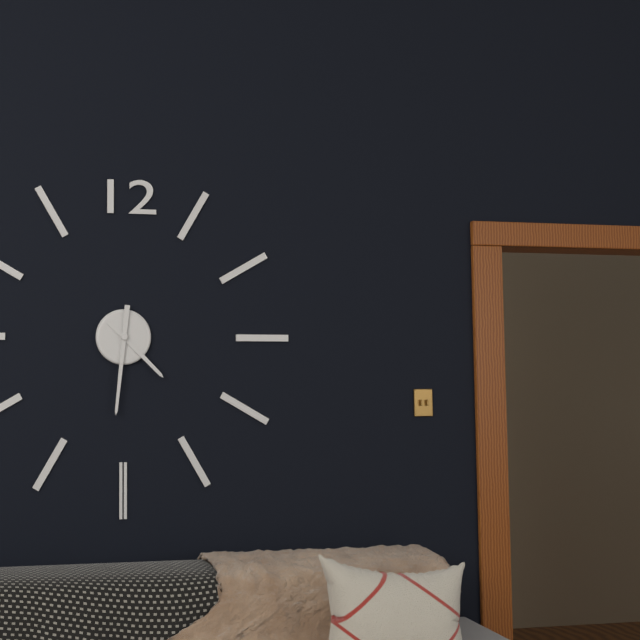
4:31
